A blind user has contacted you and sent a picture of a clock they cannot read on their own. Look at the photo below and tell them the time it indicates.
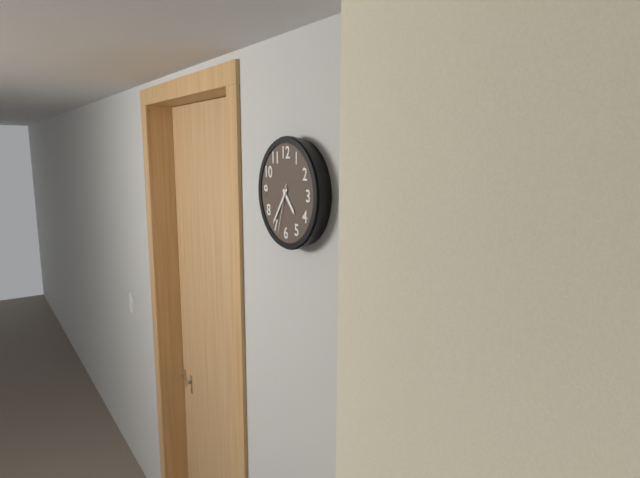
4:36:33
